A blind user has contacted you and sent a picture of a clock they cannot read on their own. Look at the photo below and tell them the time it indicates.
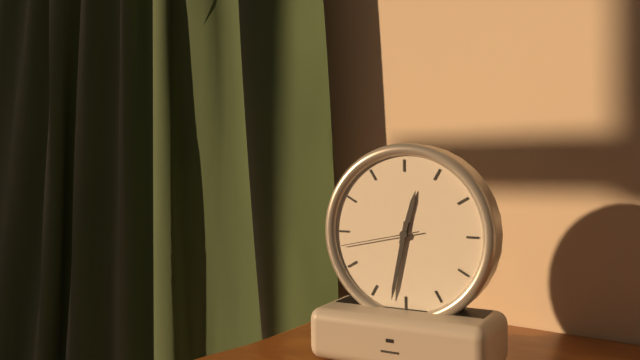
12:32:43
